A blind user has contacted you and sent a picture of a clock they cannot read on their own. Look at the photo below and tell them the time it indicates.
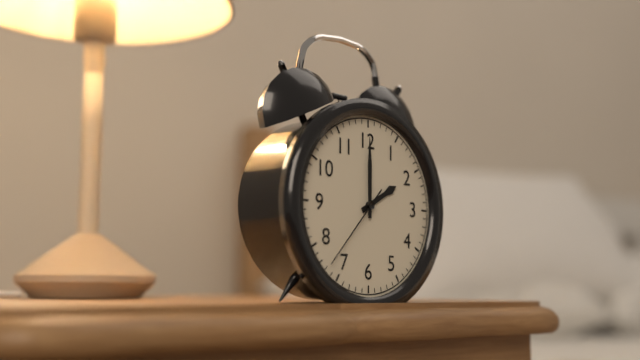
2:00:37
